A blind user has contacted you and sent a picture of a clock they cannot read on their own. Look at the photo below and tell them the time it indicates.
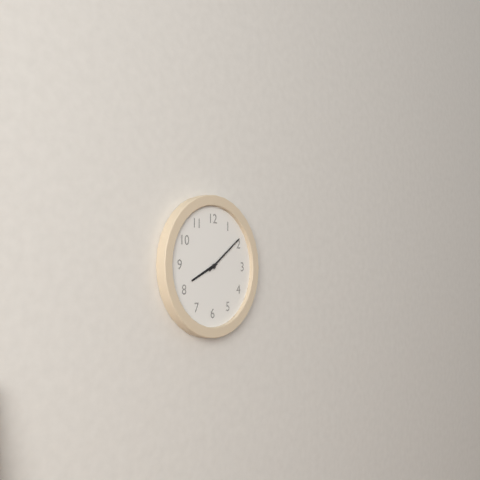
8:09
